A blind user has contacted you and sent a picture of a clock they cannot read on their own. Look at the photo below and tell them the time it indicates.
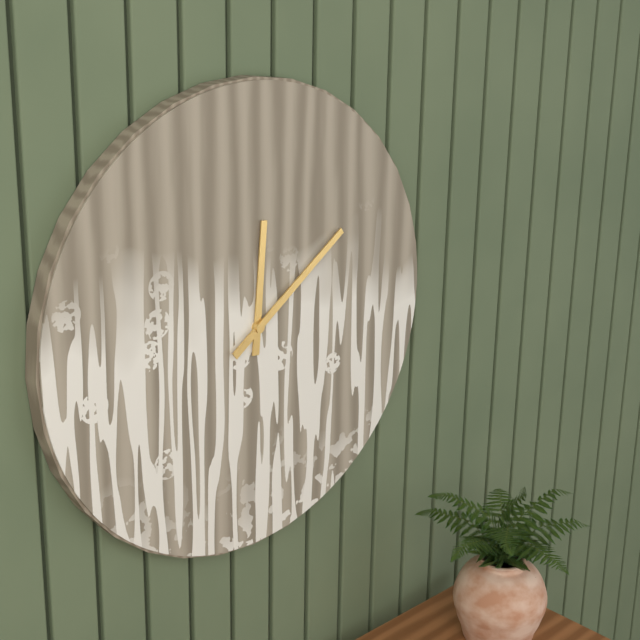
12:09
